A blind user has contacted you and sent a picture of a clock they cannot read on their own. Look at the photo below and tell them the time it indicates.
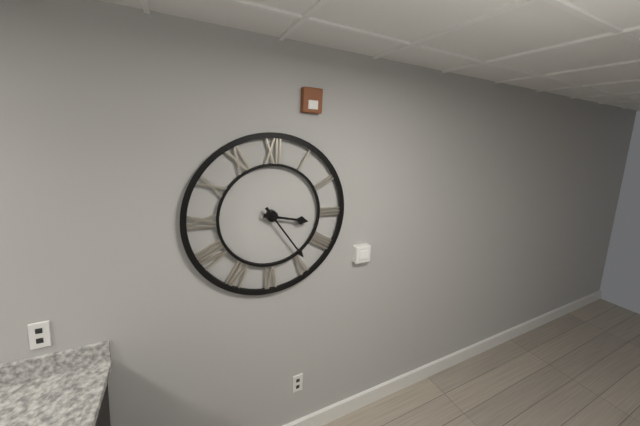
3:24
